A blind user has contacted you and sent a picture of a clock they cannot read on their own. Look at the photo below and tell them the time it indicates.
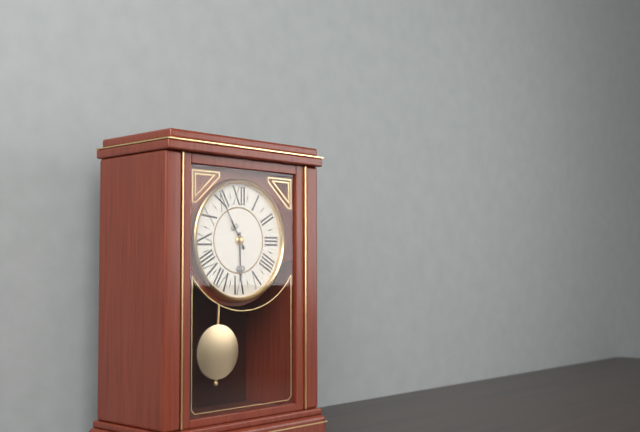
5:55
